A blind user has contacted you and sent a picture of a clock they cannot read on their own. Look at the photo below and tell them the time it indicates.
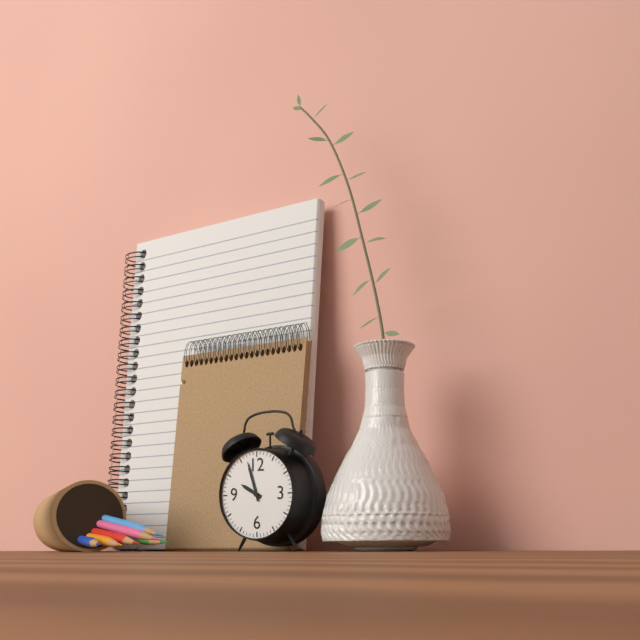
9:57
